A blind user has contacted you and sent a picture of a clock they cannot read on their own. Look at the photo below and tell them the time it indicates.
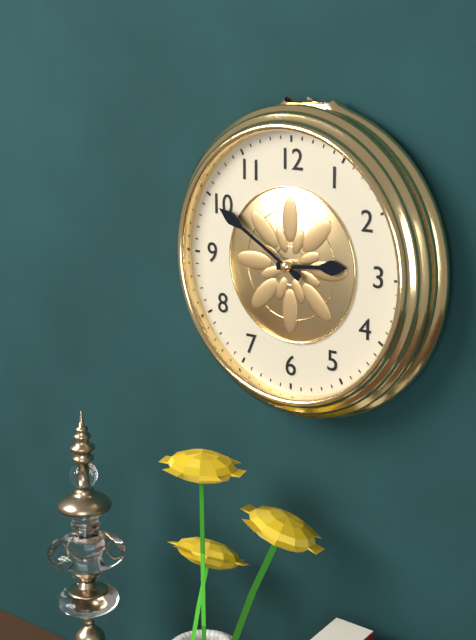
2:50
